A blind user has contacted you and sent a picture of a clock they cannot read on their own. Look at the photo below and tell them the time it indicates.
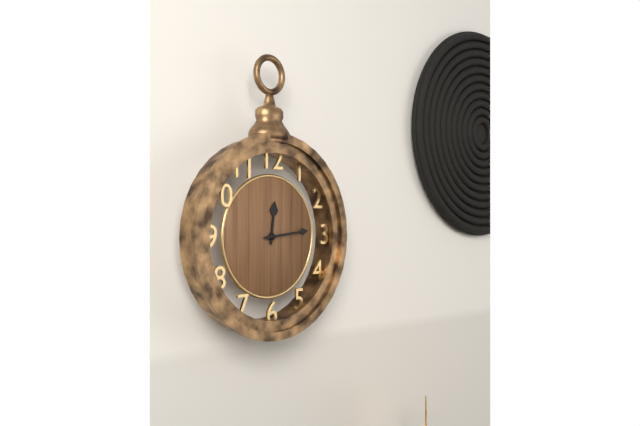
12:14
